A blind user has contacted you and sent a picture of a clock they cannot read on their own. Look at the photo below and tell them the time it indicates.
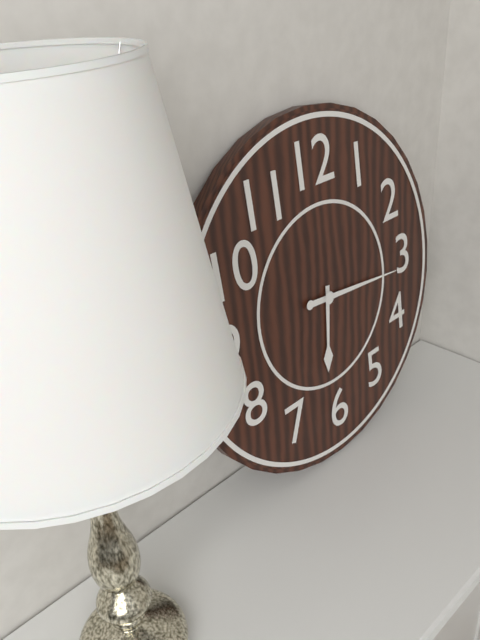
6:16
